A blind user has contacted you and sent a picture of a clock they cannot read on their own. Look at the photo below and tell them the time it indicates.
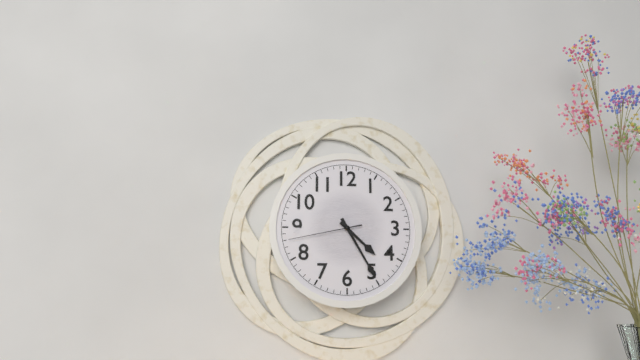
4:25:43
